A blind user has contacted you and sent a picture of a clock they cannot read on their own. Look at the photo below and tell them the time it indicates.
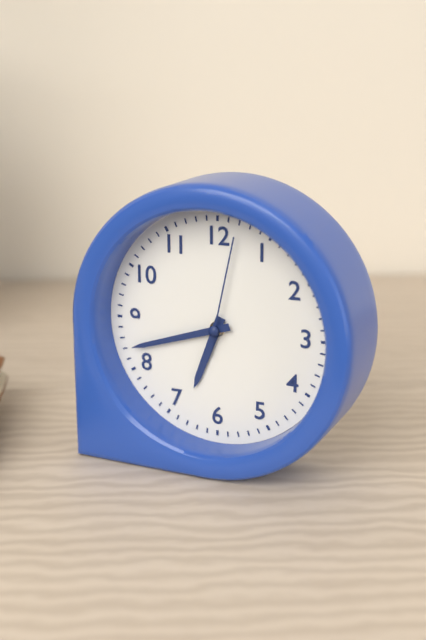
6:42:02
